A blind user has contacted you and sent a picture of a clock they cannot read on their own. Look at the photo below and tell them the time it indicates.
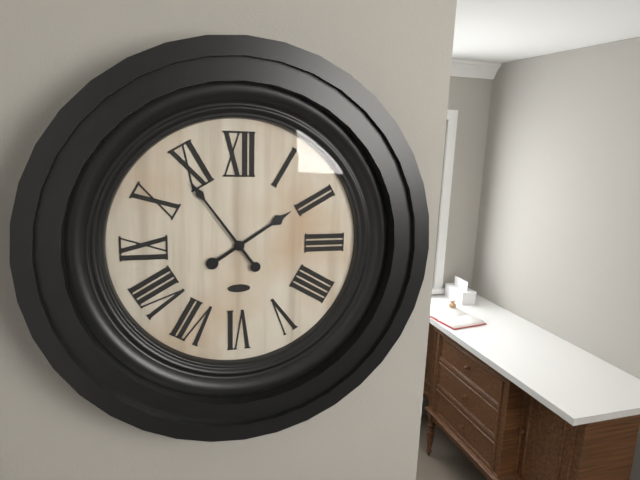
1:54
